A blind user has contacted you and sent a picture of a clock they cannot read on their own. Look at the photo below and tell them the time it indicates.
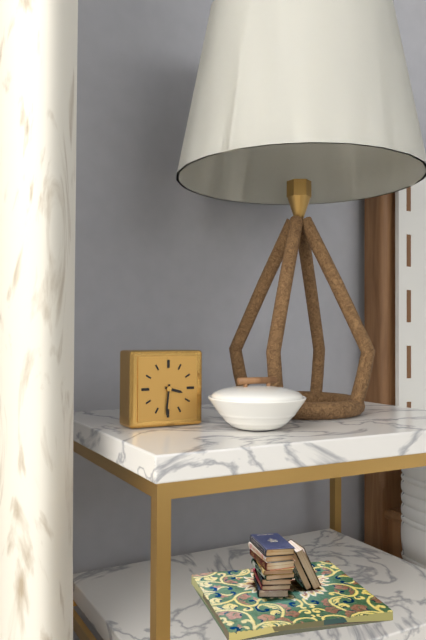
3:31
